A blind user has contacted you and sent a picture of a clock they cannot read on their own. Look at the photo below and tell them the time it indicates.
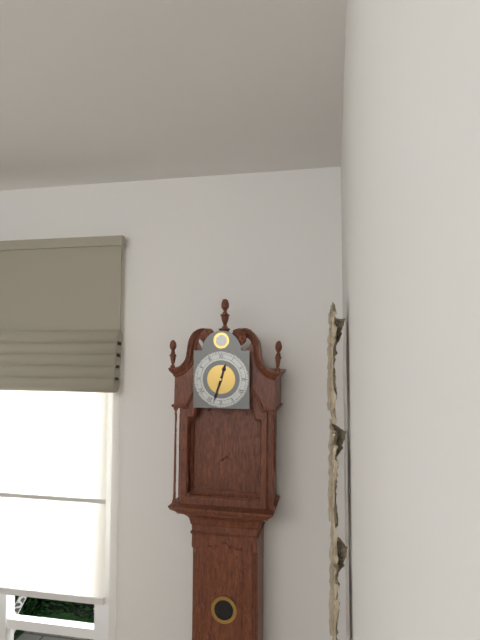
12:33
